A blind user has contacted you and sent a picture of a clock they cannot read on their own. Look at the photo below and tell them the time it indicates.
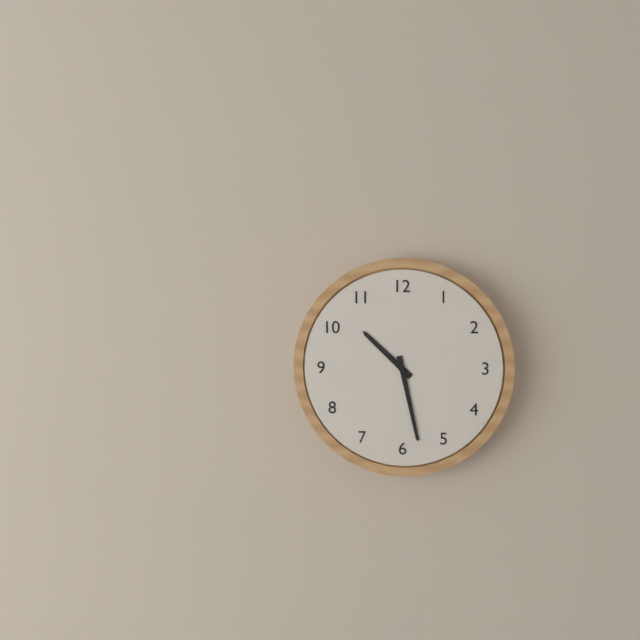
10:28
